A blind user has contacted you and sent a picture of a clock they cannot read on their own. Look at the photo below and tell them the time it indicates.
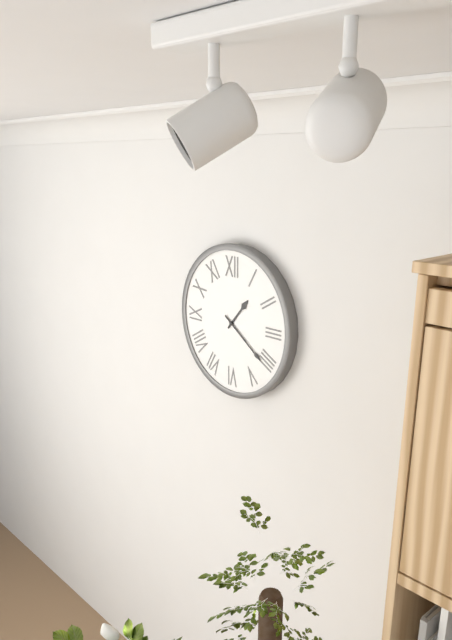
1:21
